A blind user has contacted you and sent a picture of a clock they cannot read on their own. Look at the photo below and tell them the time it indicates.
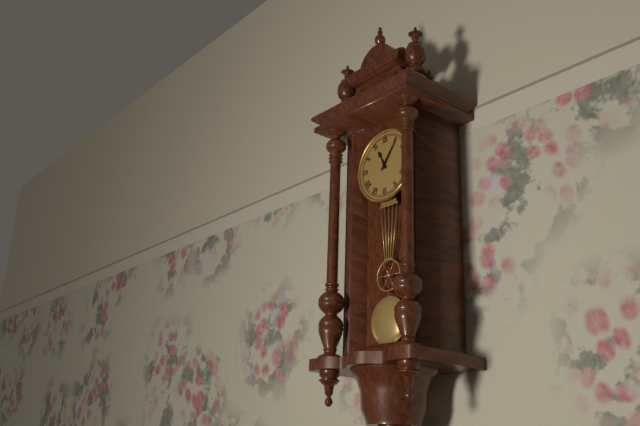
11:06
